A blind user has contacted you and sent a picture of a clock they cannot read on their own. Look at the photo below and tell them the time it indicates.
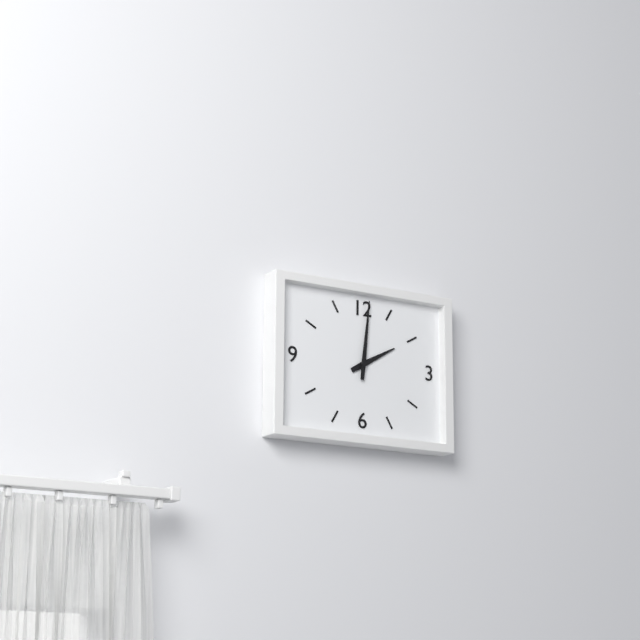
2:01
